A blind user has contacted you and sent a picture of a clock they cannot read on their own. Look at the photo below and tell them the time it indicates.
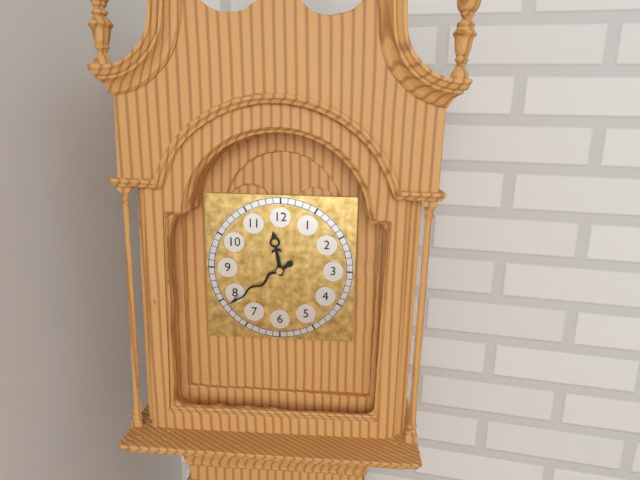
11:39
